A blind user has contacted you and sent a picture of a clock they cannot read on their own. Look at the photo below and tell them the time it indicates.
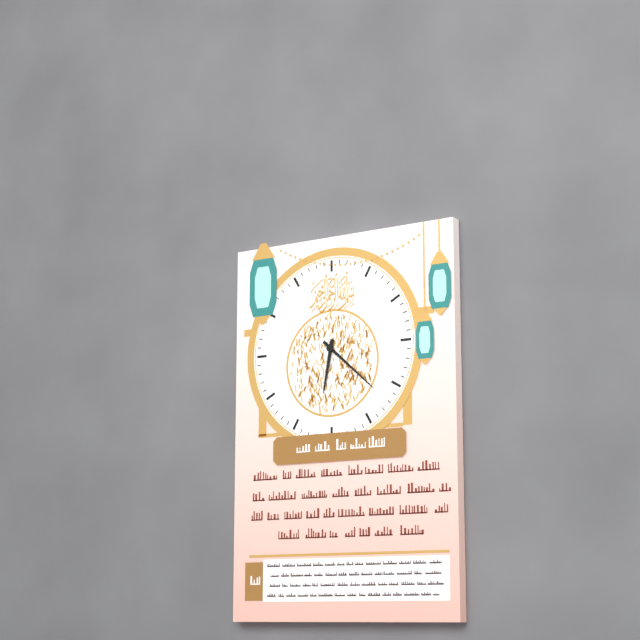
6:22
